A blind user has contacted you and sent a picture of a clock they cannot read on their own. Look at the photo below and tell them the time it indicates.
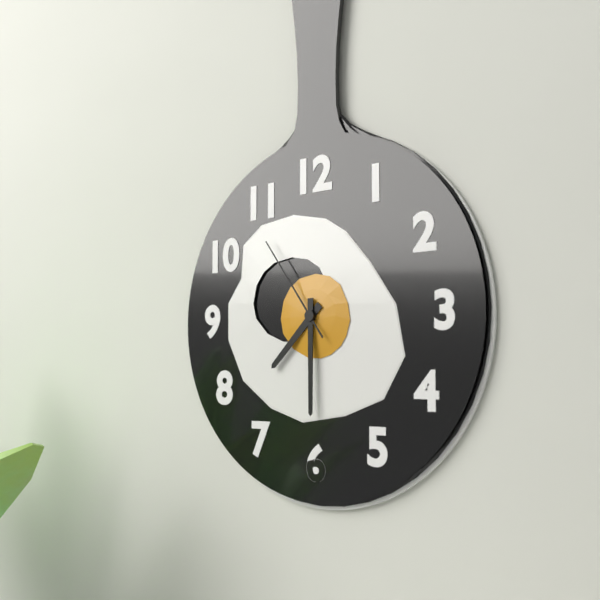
7:30:54
